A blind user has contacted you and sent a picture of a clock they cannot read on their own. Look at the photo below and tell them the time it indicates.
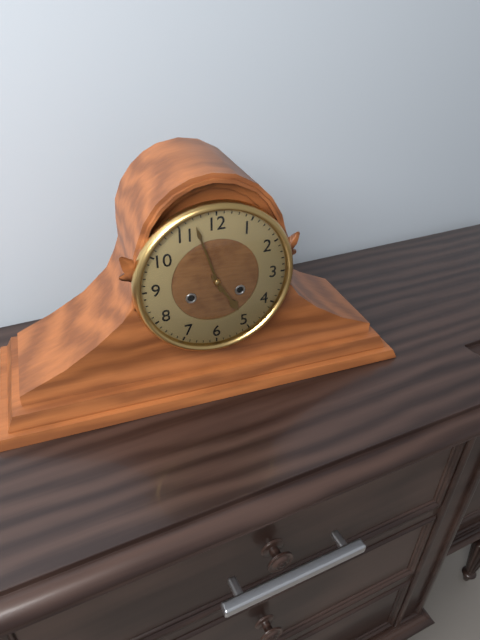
4:57
